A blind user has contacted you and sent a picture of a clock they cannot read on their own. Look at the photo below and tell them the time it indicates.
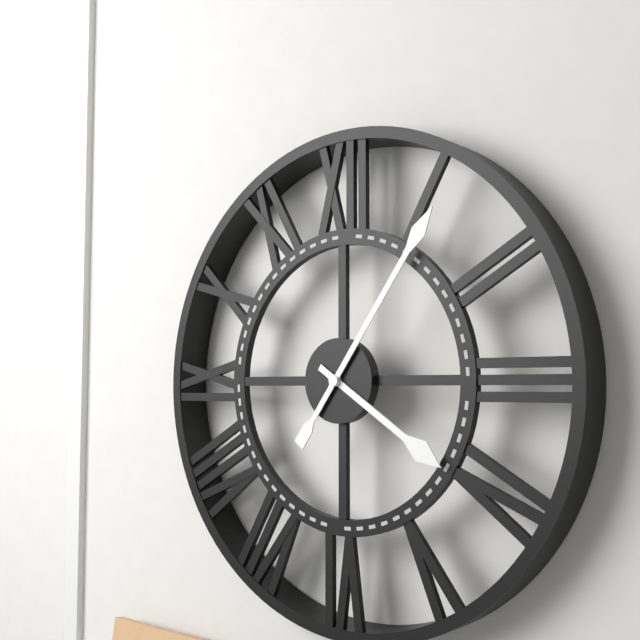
4:06
